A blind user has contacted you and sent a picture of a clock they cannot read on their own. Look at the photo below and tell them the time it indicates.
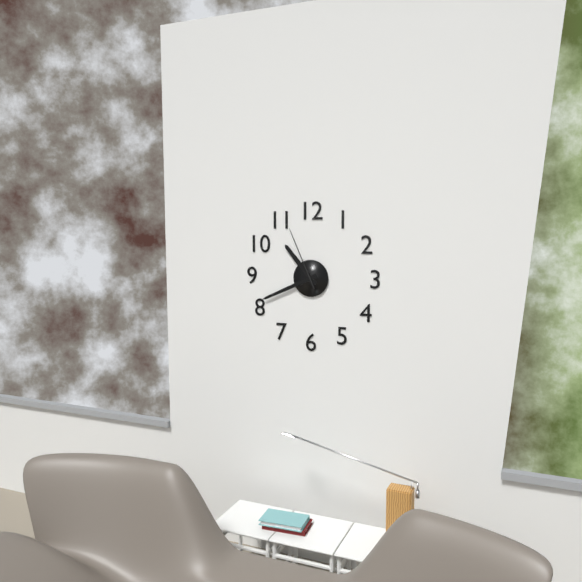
10:41:56
